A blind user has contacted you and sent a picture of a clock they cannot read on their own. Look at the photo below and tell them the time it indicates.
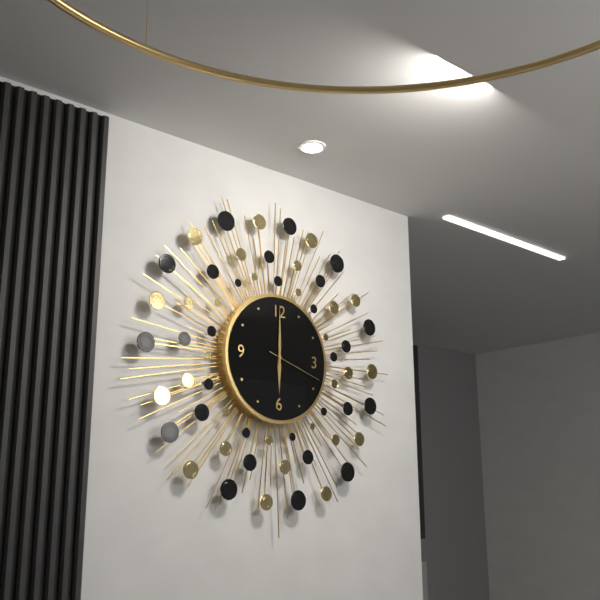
6:00:18
